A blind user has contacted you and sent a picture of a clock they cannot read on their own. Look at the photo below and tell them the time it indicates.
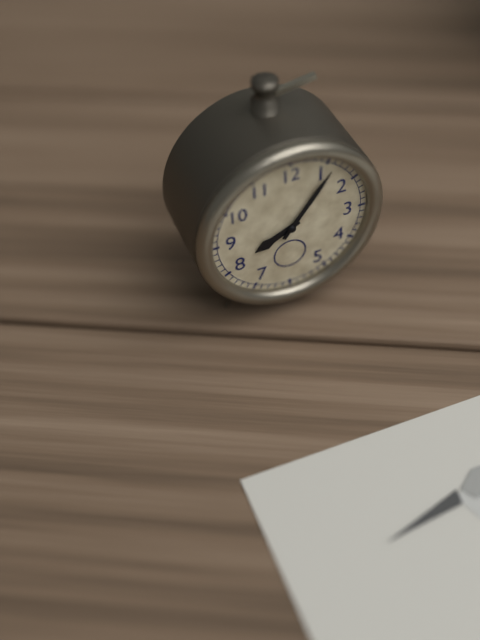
8:06
